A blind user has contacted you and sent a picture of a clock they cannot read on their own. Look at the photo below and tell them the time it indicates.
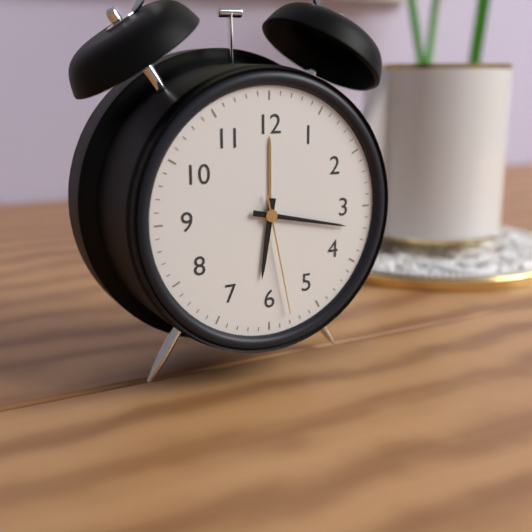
6:17:28
